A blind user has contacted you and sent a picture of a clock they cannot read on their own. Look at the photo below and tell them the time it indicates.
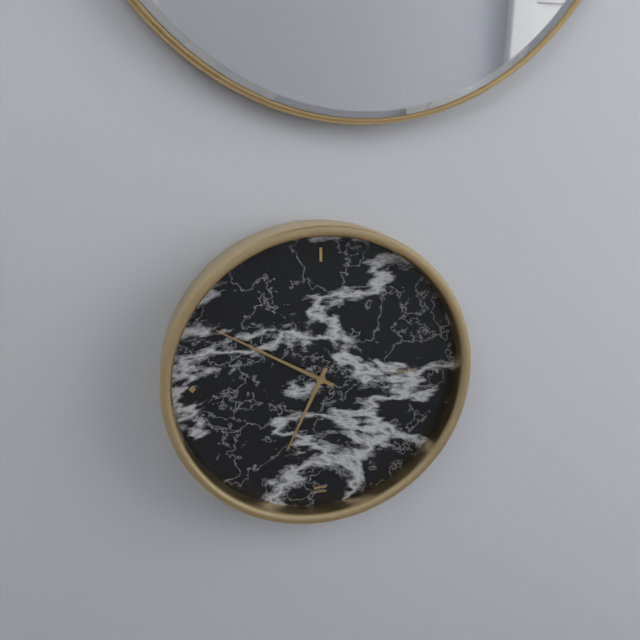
6:50
